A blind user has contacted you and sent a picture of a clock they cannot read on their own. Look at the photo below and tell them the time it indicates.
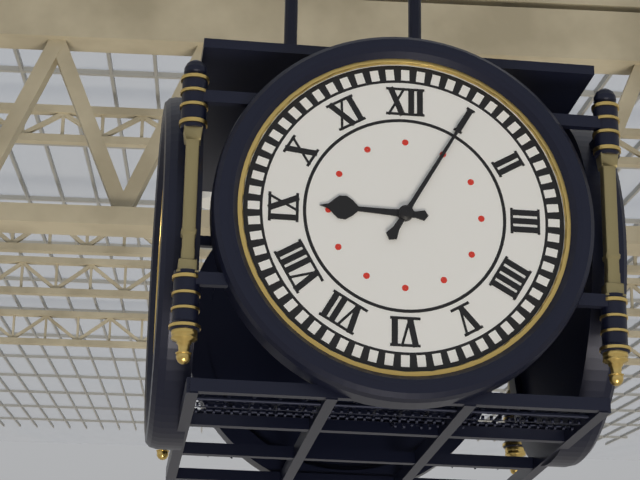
9:05
